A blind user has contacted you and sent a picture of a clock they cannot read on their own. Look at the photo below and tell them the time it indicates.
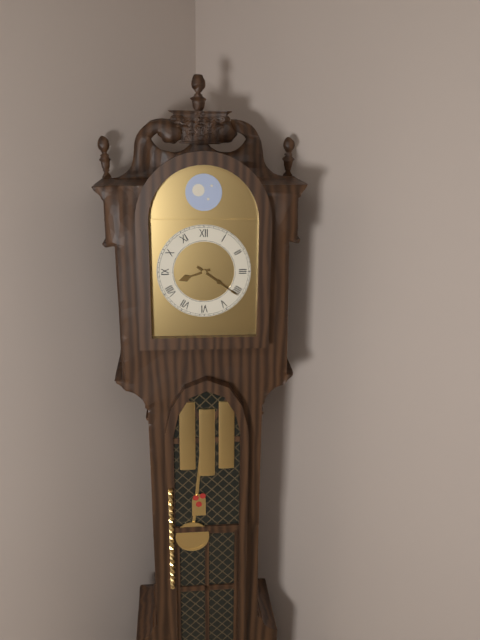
8:21
